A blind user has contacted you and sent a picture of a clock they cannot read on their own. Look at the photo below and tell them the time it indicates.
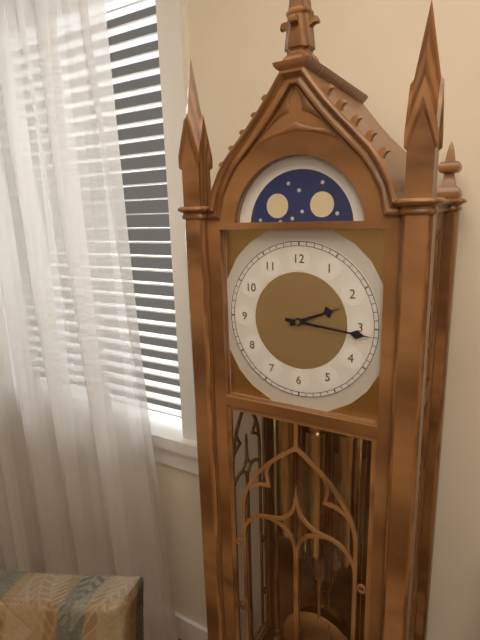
2:16
